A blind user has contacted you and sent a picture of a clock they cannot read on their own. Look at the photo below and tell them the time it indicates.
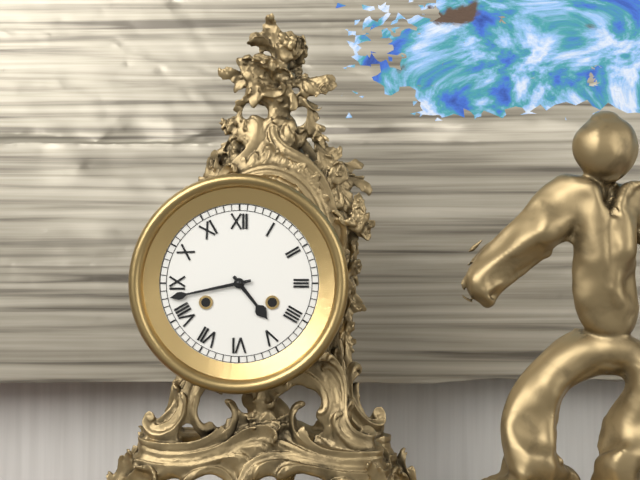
4:43
